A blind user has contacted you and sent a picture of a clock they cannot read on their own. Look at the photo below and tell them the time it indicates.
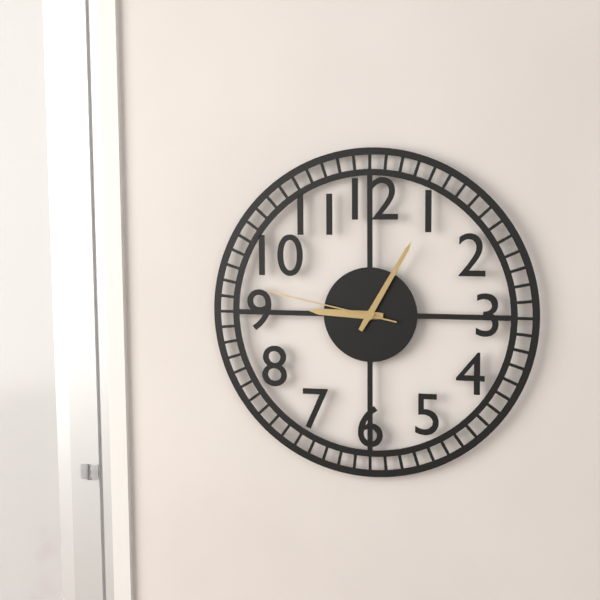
9:05:47
